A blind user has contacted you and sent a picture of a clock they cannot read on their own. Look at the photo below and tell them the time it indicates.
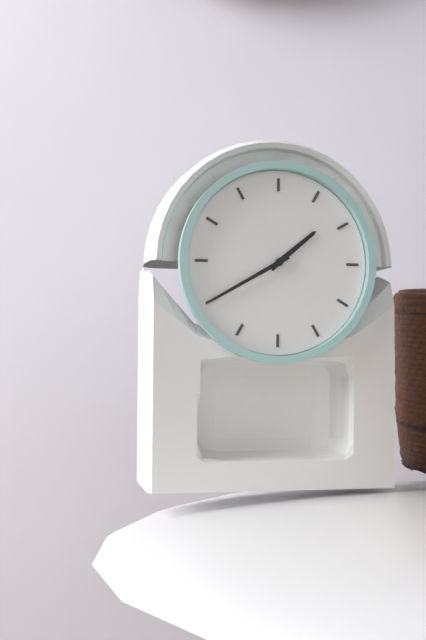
1:40
